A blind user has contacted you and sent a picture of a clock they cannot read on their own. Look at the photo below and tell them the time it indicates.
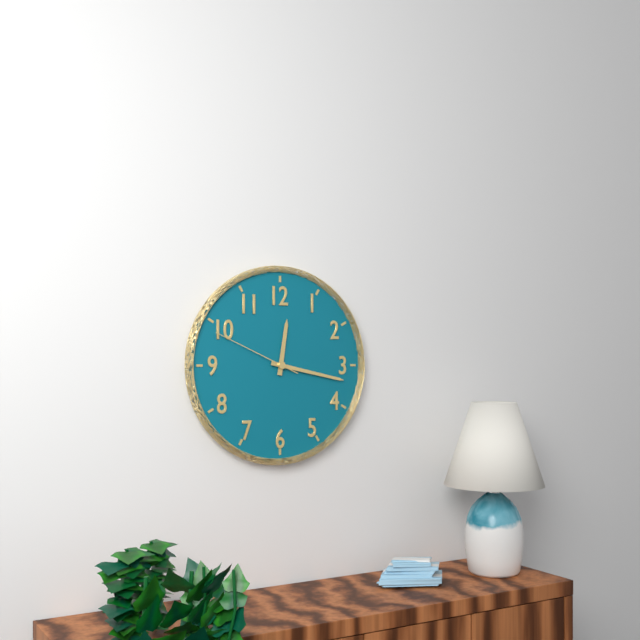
12:17:49
